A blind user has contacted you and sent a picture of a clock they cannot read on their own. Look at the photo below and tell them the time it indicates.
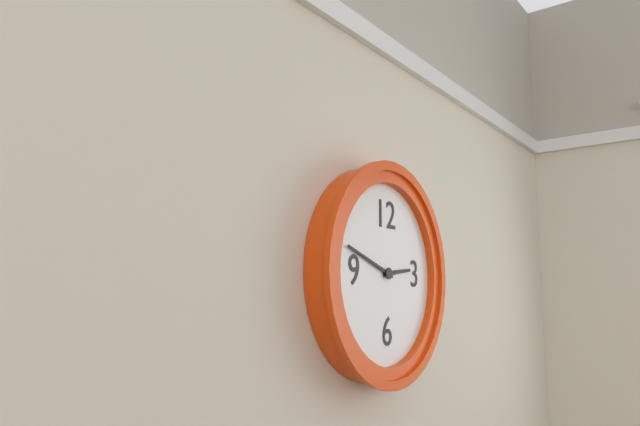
2:48
